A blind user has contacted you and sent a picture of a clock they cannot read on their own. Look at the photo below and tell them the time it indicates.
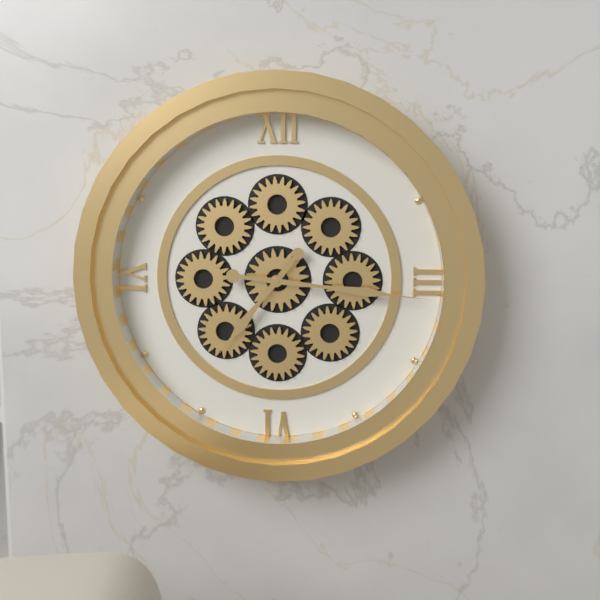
7:16
